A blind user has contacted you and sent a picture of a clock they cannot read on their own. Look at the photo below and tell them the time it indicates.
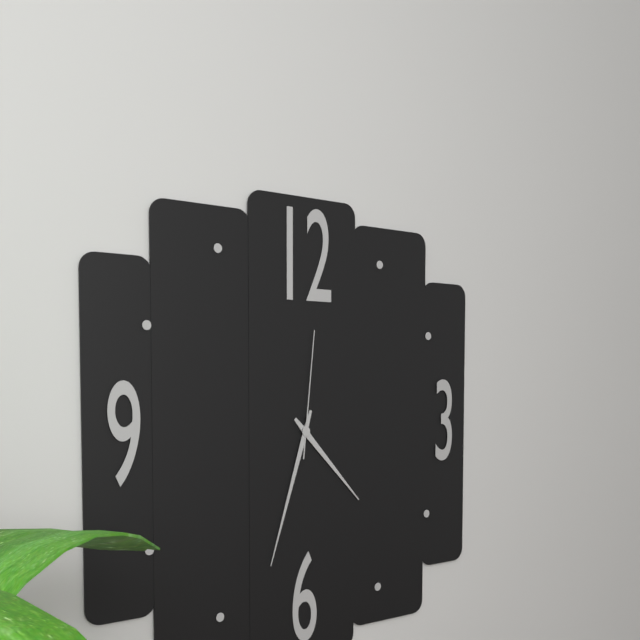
4:33:01
